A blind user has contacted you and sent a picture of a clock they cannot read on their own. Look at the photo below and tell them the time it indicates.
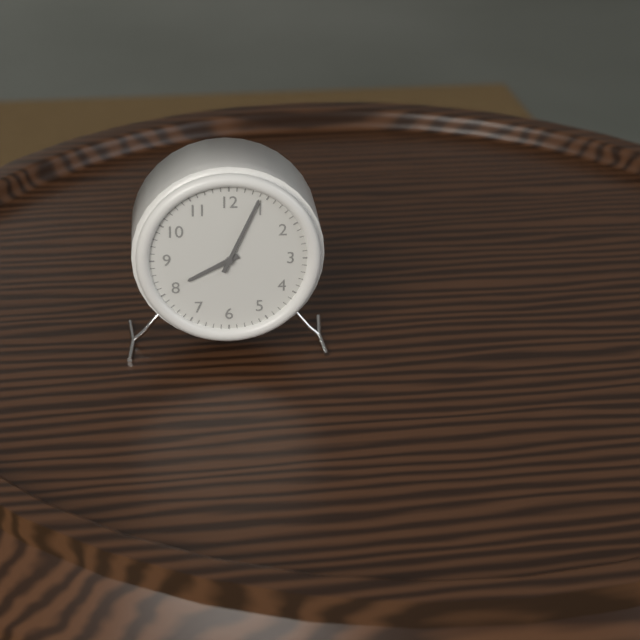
8:04
